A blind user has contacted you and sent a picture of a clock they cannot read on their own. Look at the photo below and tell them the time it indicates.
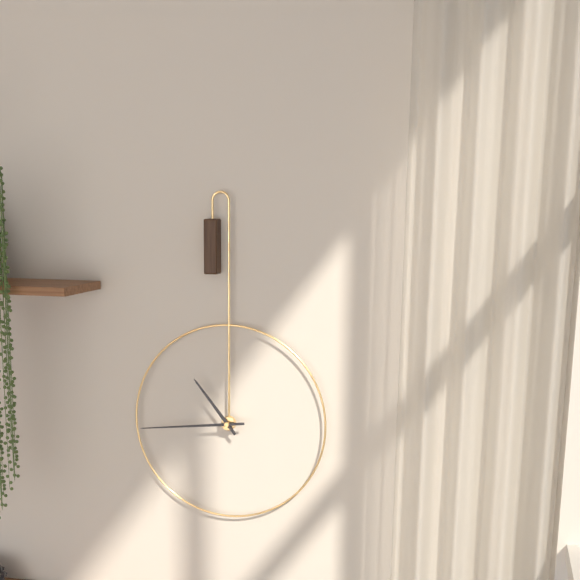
10:44
